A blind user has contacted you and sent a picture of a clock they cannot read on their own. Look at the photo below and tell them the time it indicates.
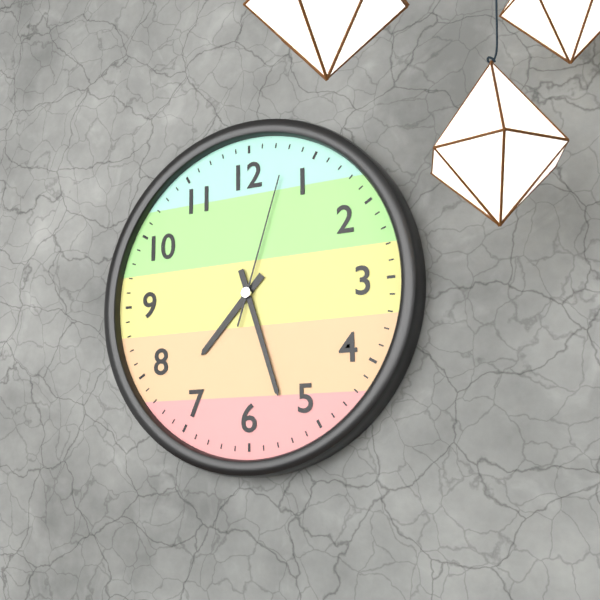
7:27:03
